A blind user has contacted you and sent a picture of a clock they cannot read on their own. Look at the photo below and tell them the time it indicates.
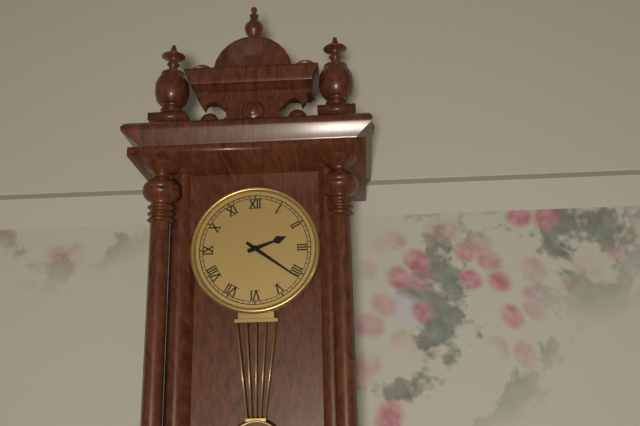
2:21
